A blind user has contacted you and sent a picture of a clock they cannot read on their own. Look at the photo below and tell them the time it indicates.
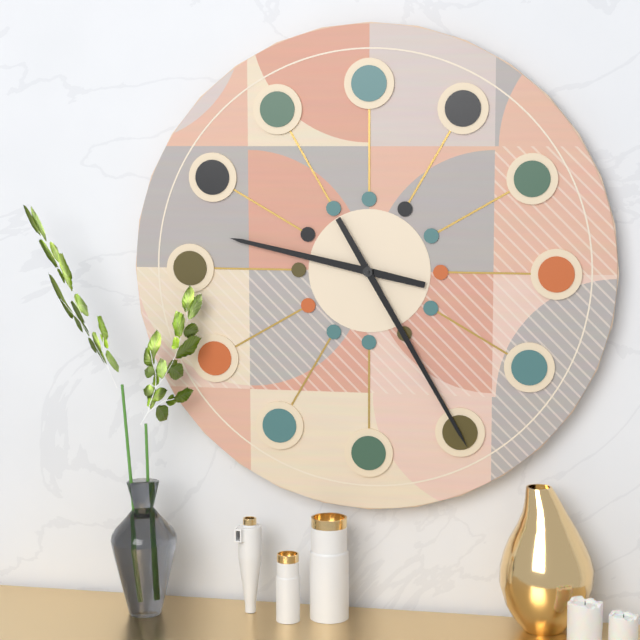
9:25
